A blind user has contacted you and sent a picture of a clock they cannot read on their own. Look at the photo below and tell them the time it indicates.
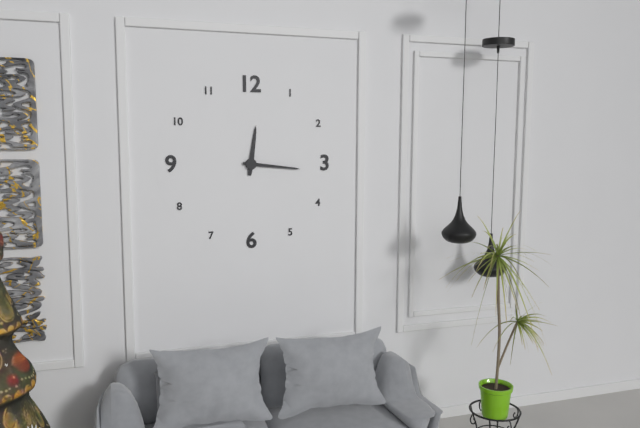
12:16
